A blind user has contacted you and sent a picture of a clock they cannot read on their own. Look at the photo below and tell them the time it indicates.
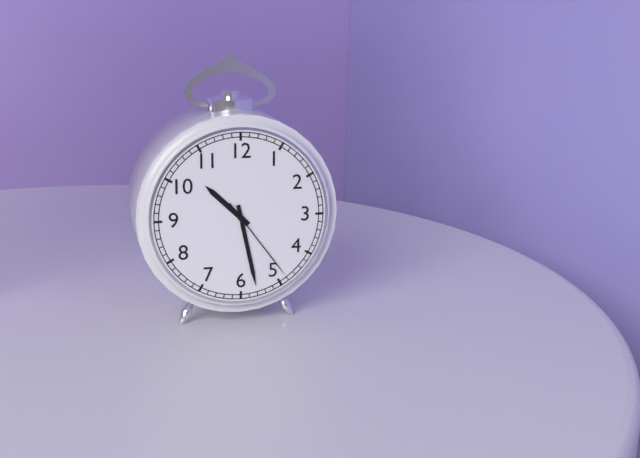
10:28:24
